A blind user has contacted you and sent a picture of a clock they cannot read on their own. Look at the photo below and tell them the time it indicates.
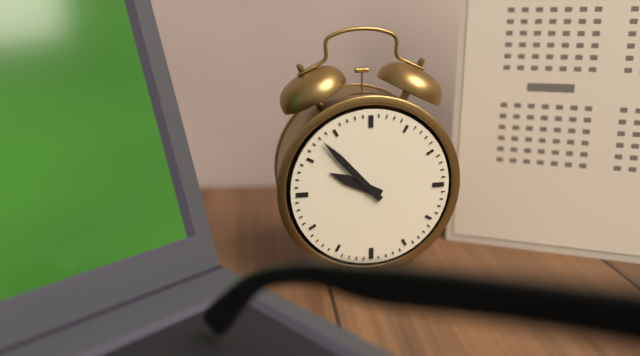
9:53
